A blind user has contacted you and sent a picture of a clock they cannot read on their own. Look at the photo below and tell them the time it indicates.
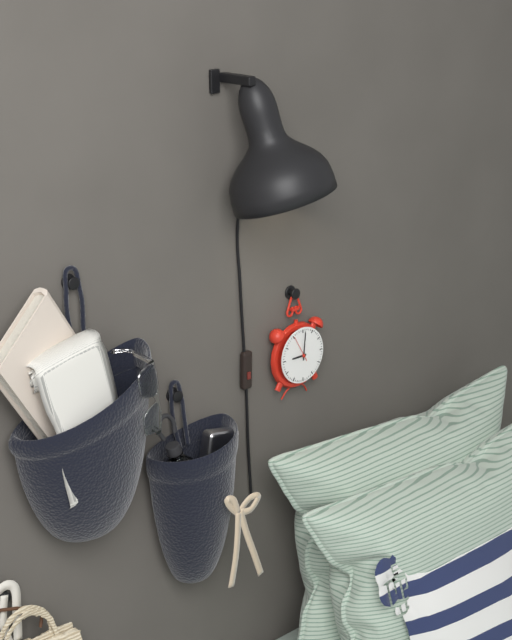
9:01
